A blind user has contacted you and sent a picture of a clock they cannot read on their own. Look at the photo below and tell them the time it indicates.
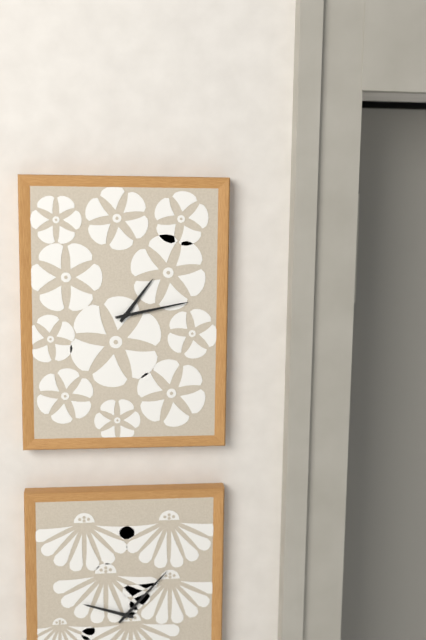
1:13
